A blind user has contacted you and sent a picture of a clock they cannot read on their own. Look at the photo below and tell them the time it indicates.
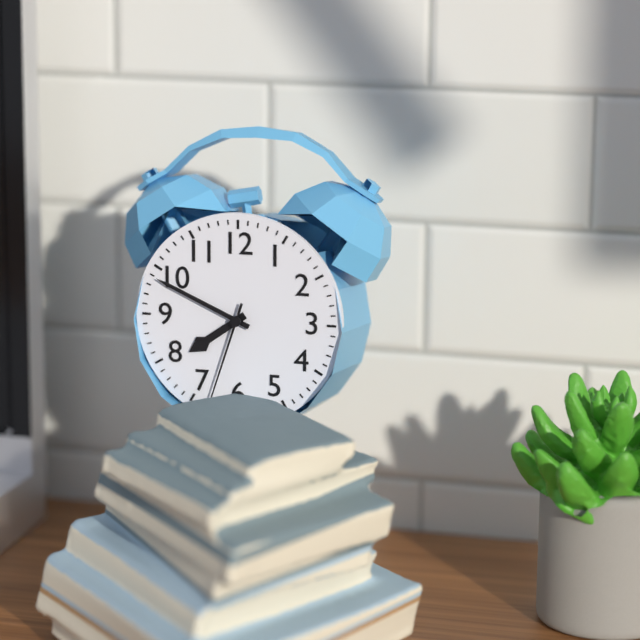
7:49:33
